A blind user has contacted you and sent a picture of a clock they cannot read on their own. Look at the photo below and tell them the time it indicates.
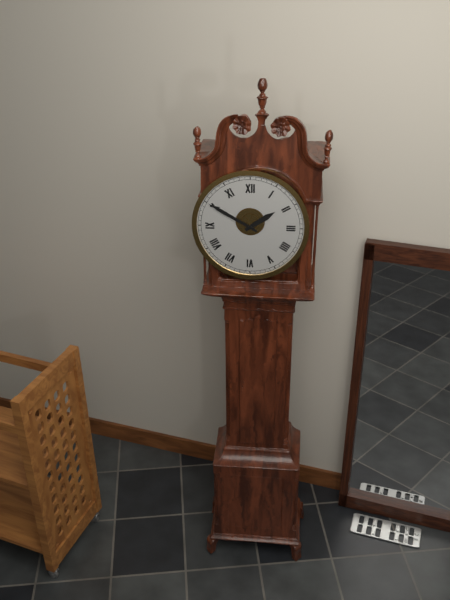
1:50
